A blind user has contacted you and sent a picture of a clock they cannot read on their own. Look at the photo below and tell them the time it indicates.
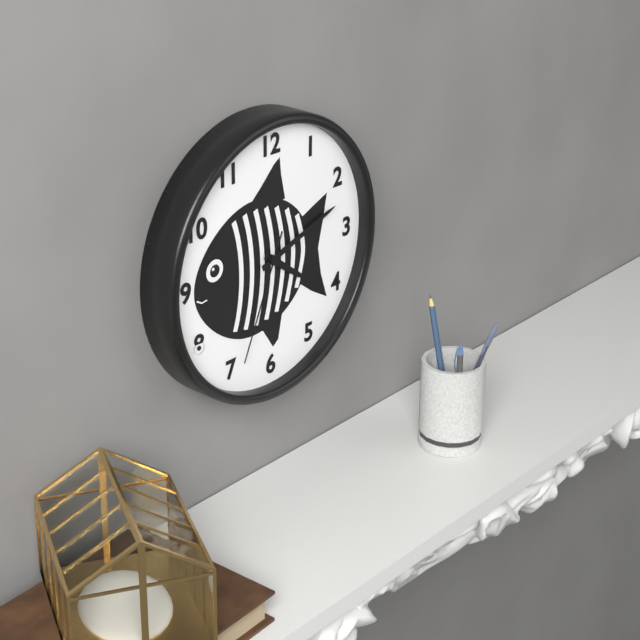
4:12:34
